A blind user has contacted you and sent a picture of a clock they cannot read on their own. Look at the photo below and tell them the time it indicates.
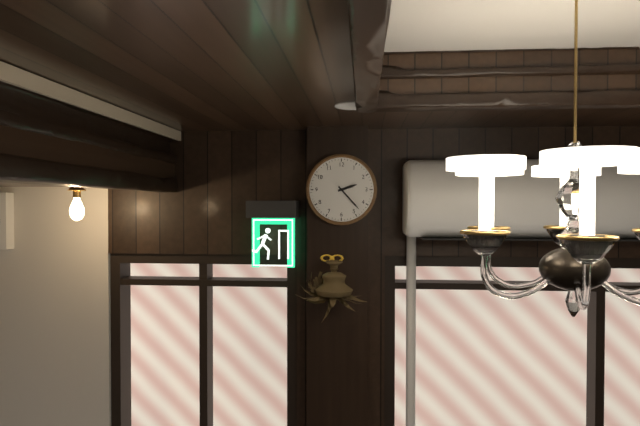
2:23
